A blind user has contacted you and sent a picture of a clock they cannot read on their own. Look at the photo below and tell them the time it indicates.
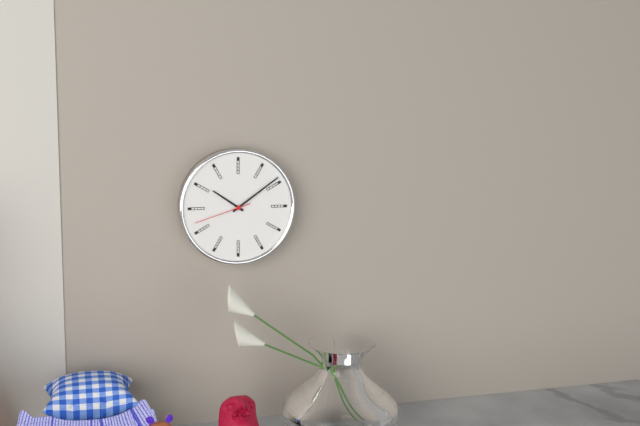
10:09:42
